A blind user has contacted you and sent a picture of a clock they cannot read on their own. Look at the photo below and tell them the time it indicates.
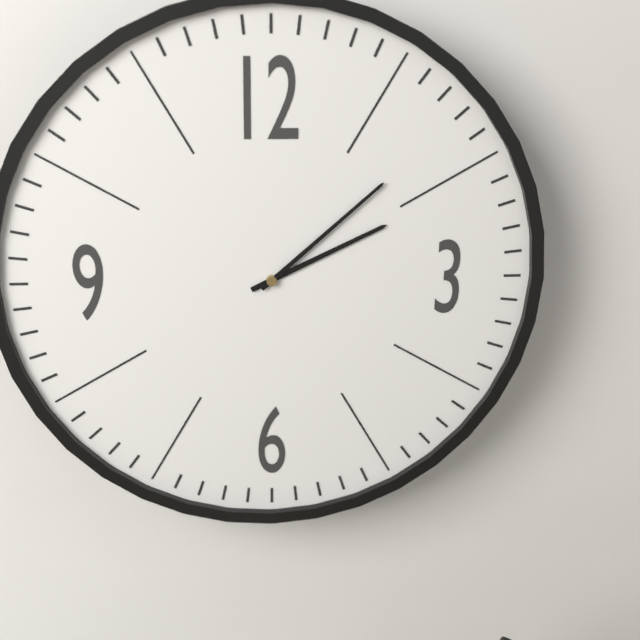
2:08
